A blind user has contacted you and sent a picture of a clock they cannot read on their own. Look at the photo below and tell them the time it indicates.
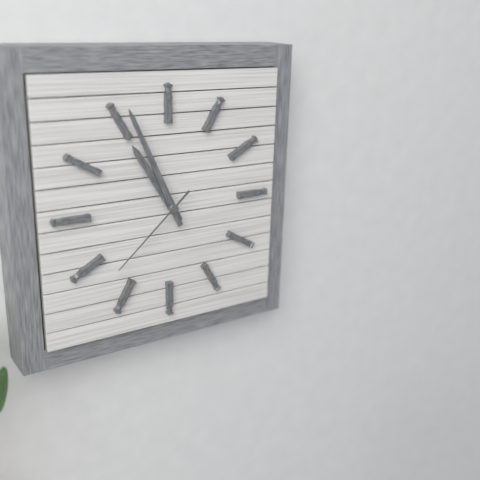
10:56:38
